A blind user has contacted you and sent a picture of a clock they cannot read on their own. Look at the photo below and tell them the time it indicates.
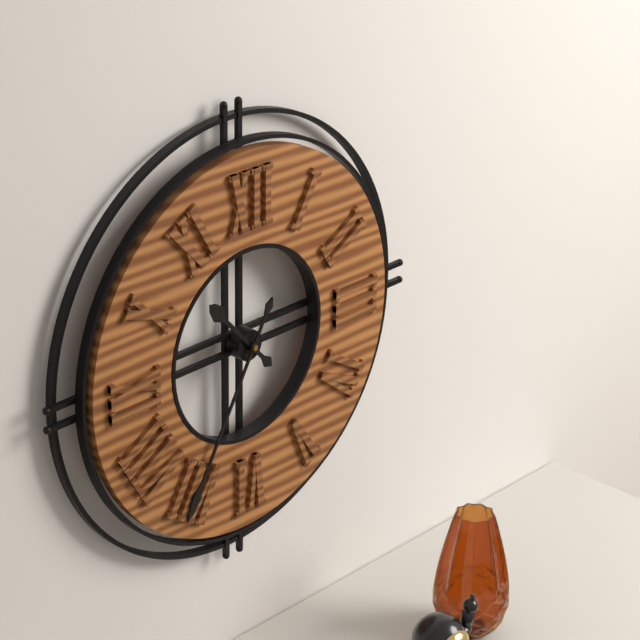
10:35
